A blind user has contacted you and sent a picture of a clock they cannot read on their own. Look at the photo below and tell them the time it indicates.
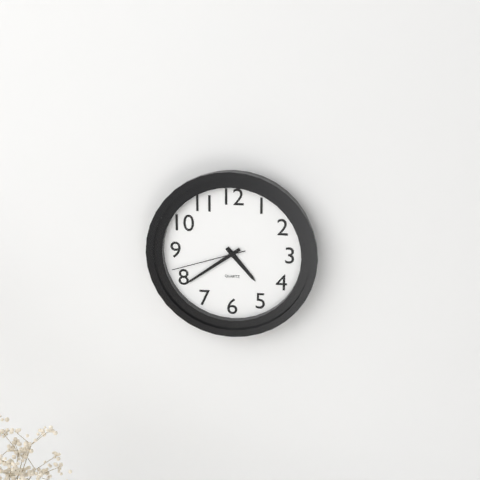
4:39:42
